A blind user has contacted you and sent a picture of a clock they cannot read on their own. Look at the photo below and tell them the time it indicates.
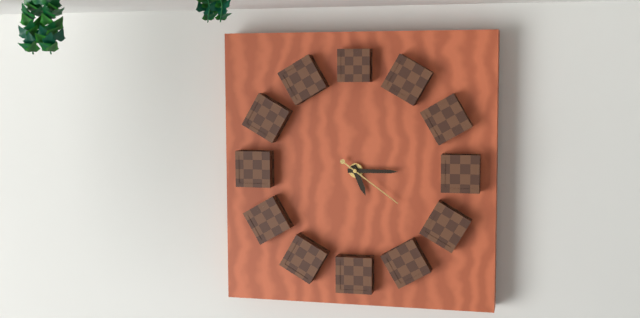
5:15:21
